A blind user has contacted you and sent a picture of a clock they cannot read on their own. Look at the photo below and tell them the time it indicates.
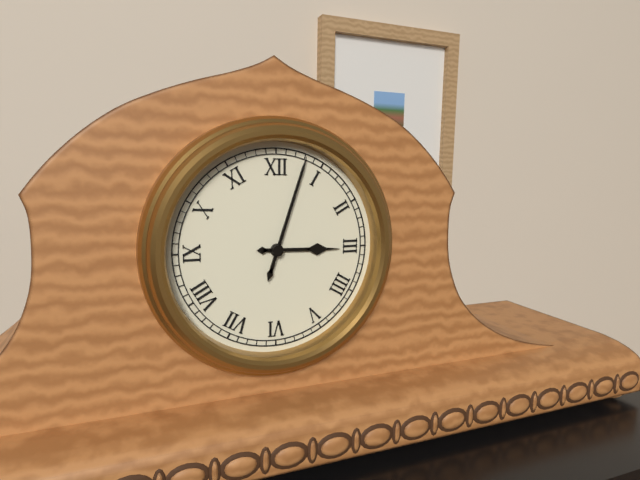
3:03
